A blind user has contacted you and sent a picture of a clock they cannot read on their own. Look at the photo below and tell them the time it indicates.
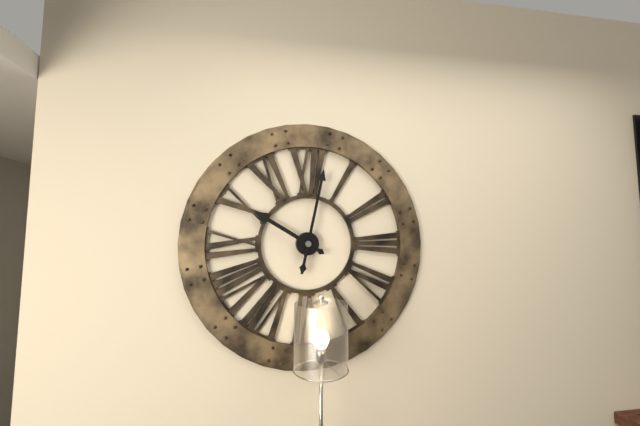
10:02
